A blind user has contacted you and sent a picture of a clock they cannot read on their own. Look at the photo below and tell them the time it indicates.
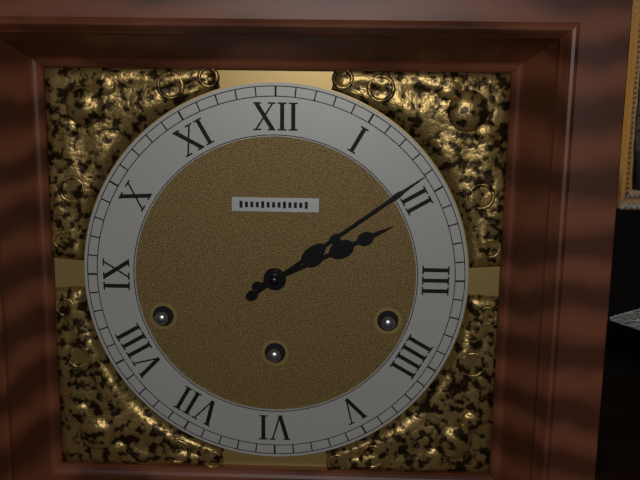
2:09
